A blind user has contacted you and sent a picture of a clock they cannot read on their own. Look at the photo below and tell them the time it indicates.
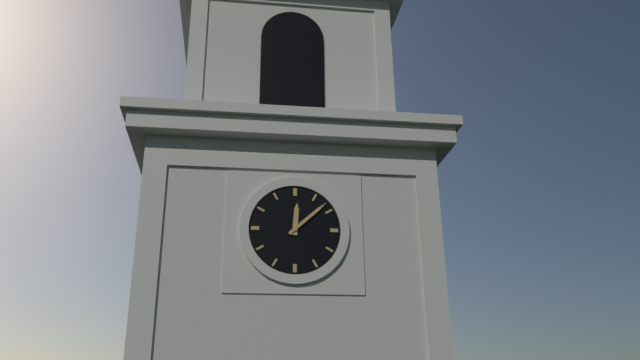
12:08
